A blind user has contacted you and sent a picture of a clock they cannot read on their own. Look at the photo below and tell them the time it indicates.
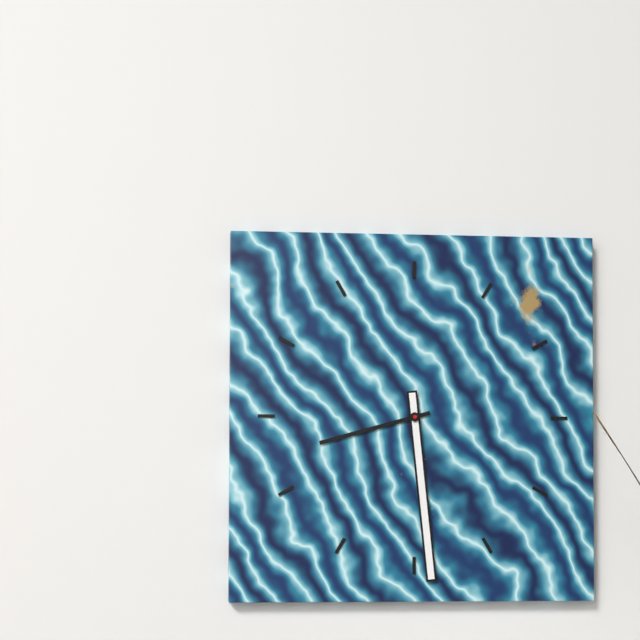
8:29
